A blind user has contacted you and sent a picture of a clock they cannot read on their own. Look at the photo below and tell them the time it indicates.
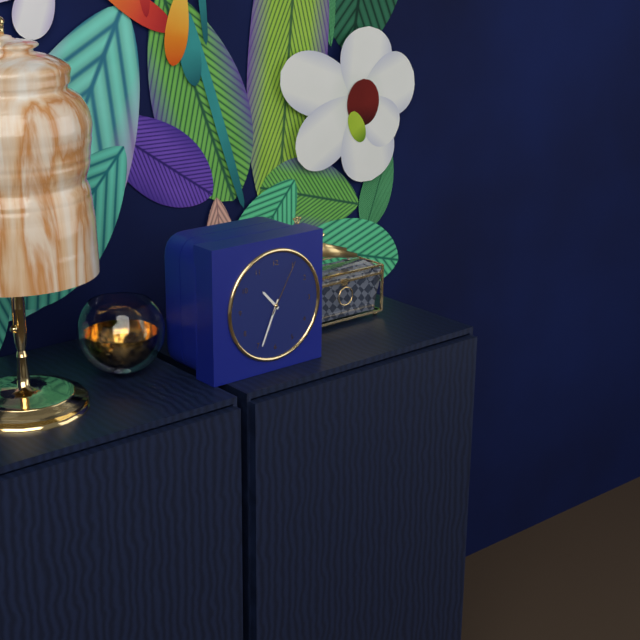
10:34:05
